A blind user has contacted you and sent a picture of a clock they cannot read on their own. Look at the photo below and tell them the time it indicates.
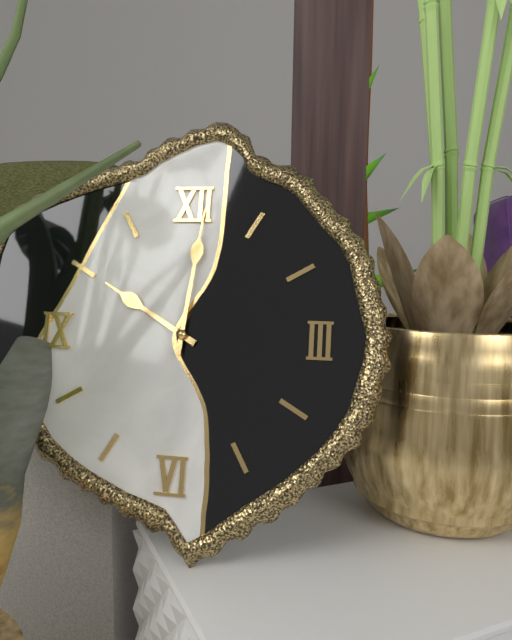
10:01
